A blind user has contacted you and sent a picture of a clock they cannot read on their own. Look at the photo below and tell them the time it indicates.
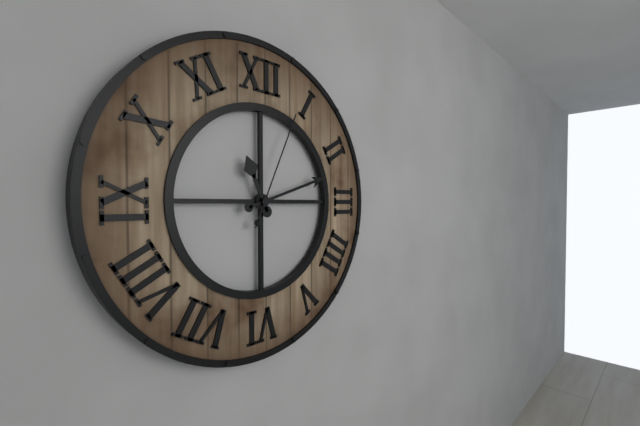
11:12:04
